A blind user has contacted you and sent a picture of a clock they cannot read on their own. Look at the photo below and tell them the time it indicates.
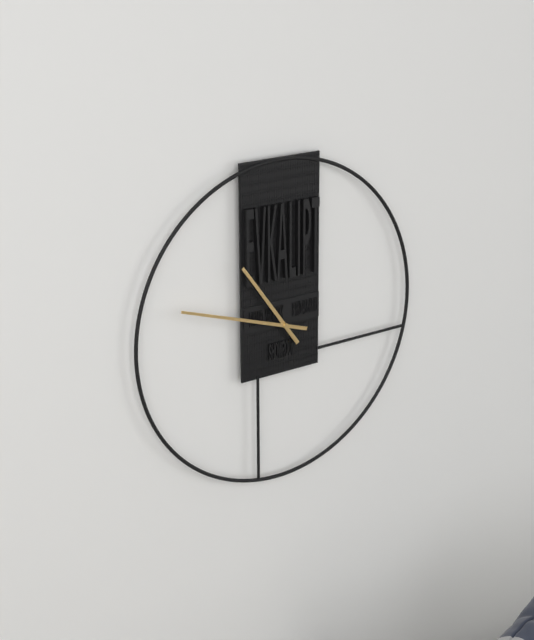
10:48
